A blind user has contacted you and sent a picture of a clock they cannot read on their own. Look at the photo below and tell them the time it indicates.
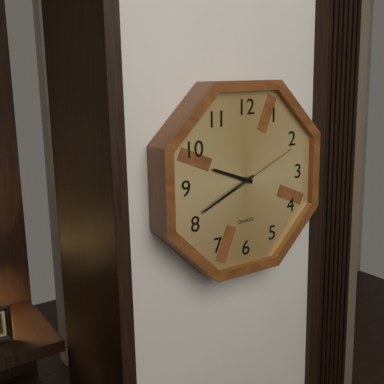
9:41:11
